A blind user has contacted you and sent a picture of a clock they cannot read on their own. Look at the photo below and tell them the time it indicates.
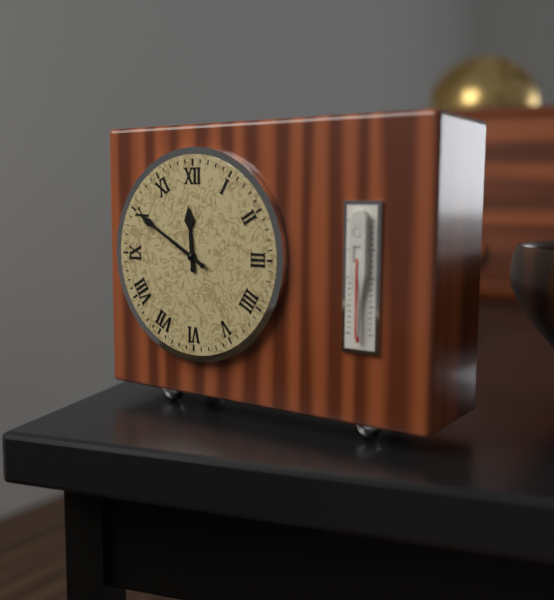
11:50
